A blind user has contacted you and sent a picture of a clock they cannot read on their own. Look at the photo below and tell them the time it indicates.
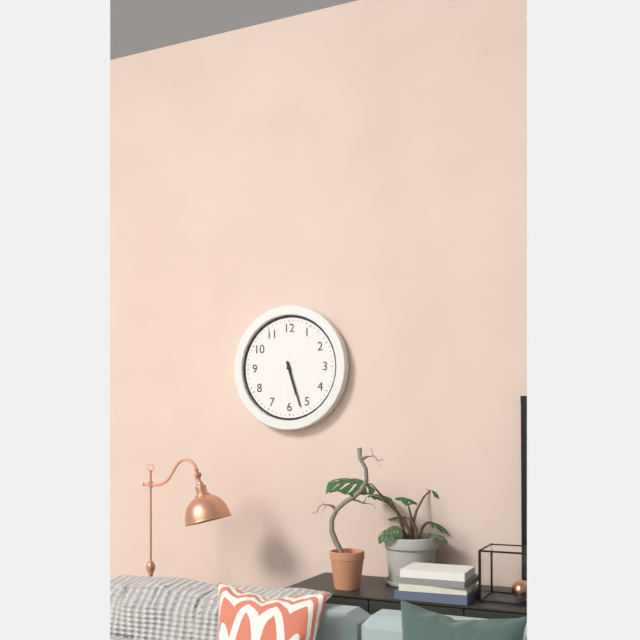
5:27
